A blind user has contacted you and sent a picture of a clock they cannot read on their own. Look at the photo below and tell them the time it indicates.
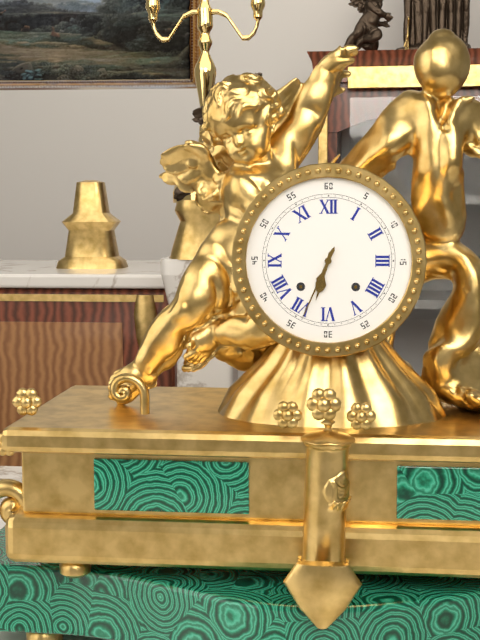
6:34
